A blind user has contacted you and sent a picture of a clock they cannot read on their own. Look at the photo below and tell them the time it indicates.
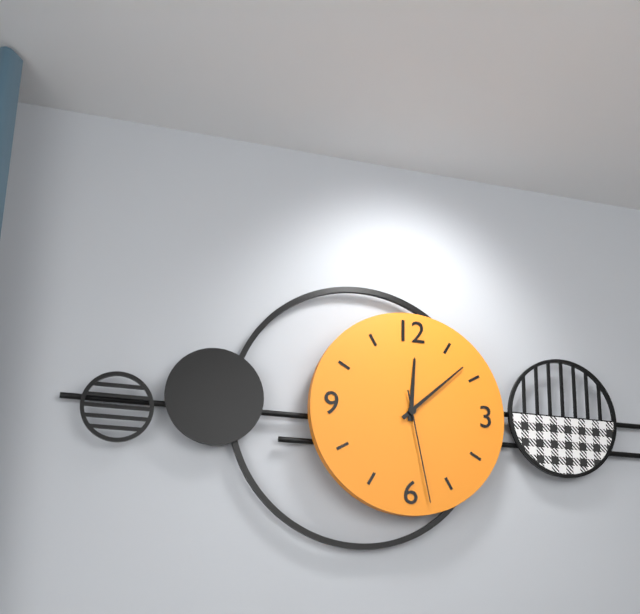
12:08:28
